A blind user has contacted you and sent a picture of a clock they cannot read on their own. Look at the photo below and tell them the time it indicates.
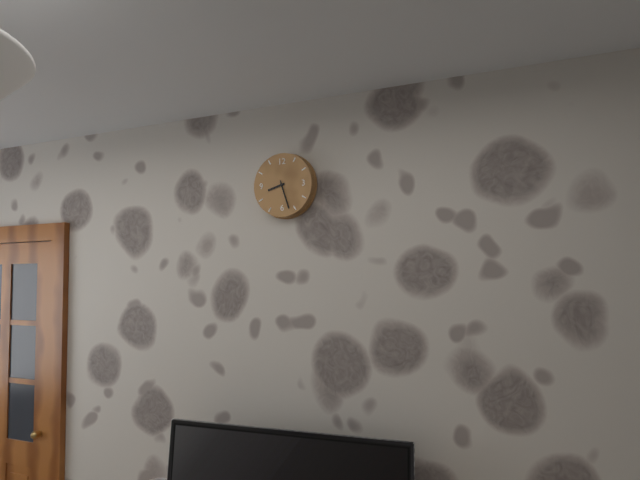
8:27
